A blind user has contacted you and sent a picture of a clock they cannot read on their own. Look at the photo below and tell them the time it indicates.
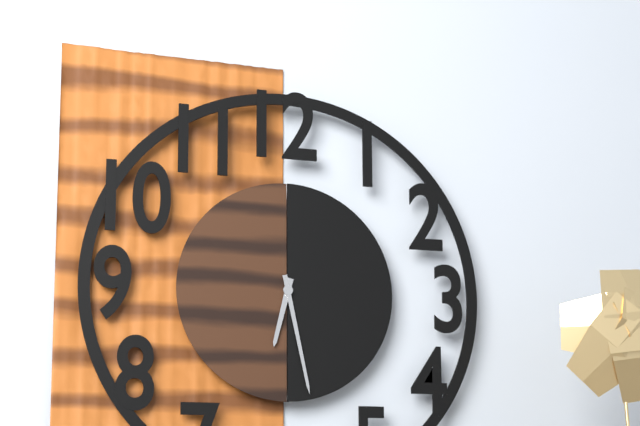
6:28
